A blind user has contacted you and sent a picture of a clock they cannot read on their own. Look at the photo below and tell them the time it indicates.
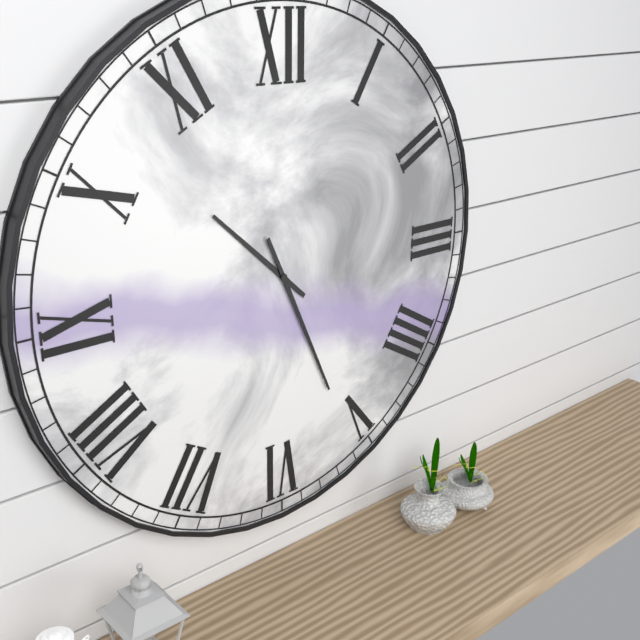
10:26
